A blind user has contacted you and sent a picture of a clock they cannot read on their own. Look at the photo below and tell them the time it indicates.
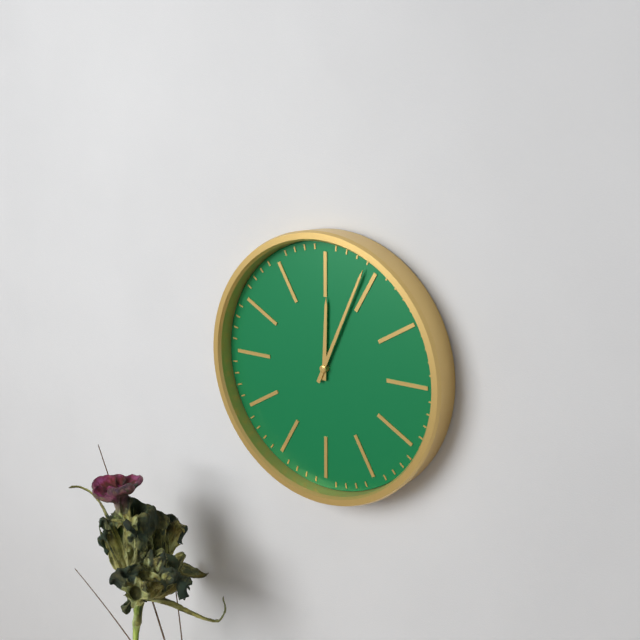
12:04
